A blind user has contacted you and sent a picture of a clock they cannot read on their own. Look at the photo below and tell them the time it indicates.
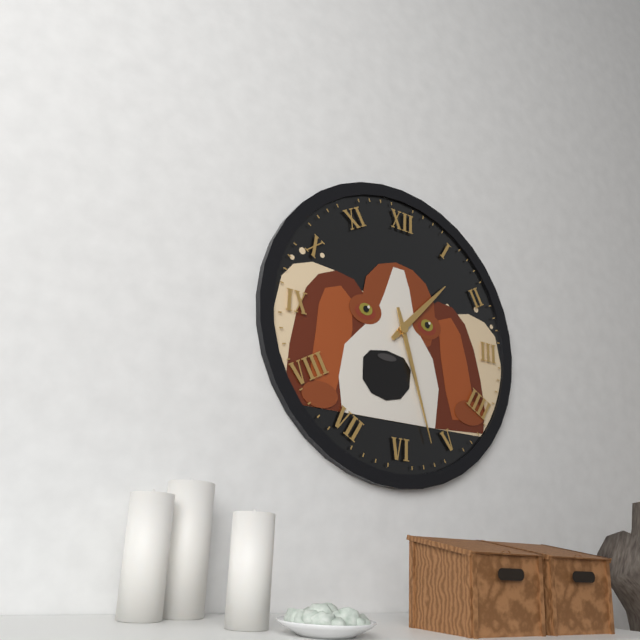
1:27
